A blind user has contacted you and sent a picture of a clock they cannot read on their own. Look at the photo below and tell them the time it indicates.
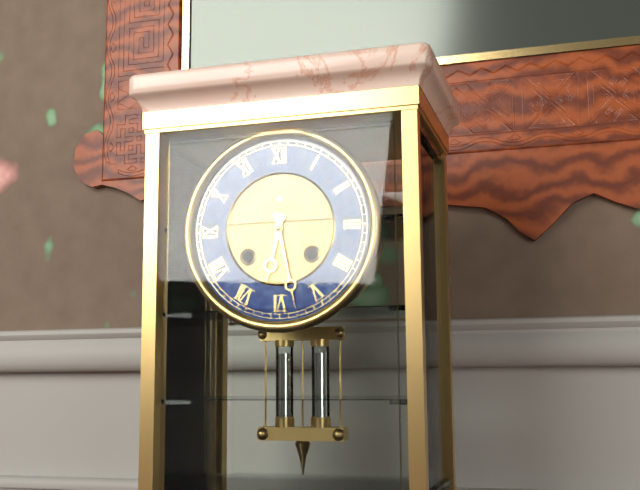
6:28
